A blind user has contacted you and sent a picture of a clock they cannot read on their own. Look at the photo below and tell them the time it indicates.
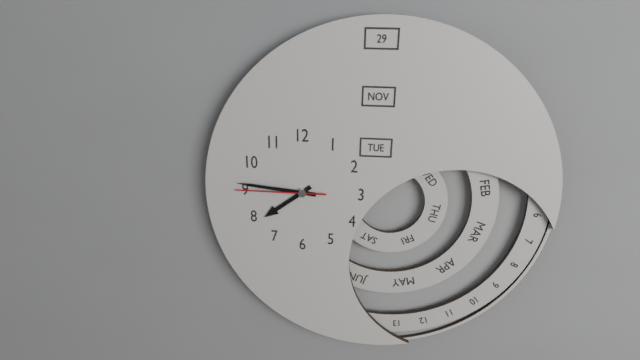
7:46:45
